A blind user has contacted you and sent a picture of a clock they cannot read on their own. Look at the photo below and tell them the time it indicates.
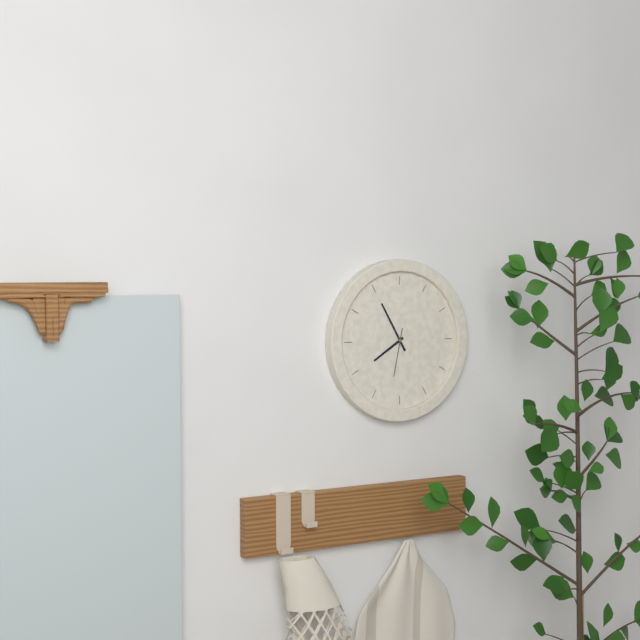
7:55
